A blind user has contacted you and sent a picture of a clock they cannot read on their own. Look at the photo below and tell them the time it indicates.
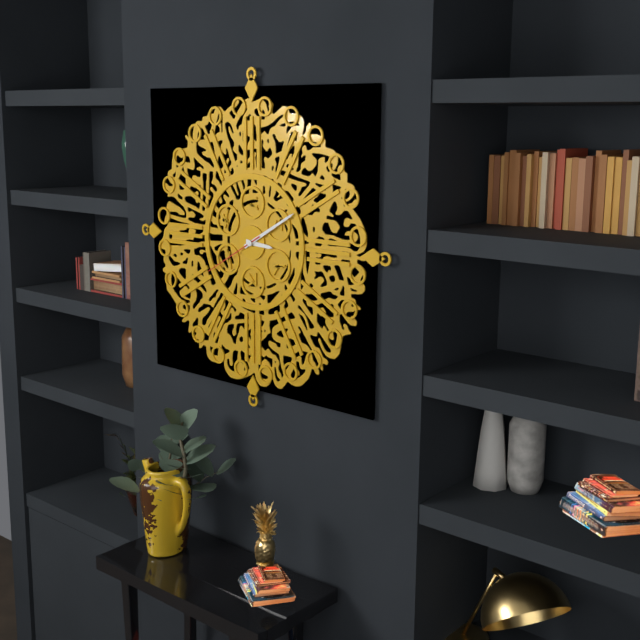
3:10:40
